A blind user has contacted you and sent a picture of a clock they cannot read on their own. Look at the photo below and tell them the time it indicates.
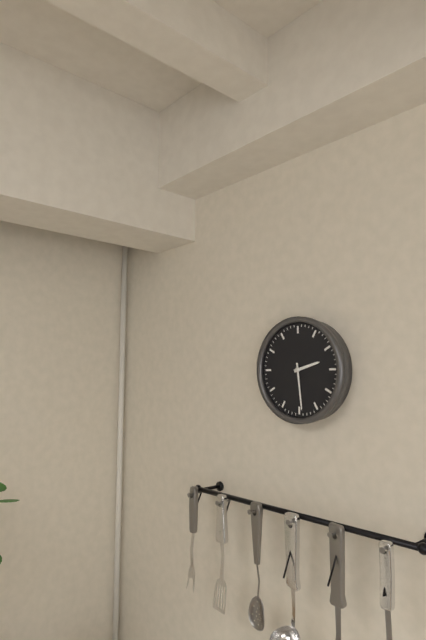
2:29
